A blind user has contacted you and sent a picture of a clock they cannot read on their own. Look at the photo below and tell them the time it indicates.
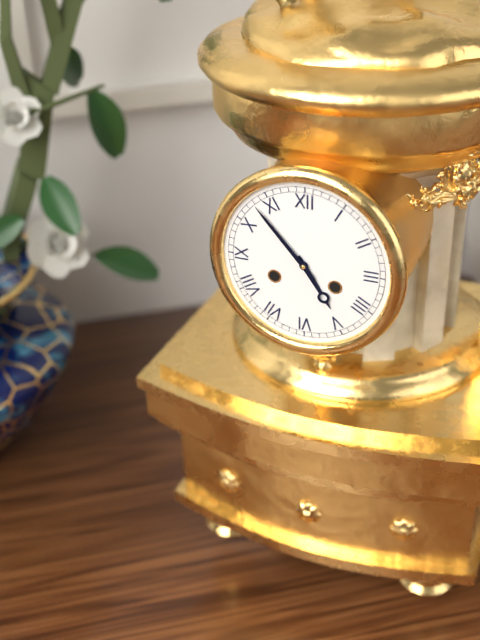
4:53
